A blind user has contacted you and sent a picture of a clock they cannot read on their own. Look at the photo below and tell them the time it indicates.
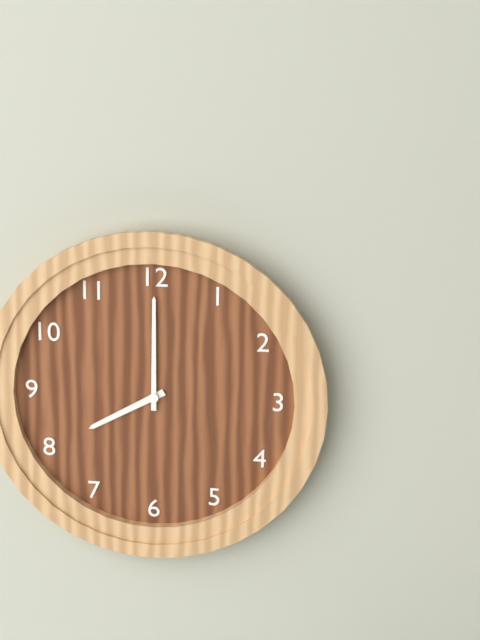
8:00
